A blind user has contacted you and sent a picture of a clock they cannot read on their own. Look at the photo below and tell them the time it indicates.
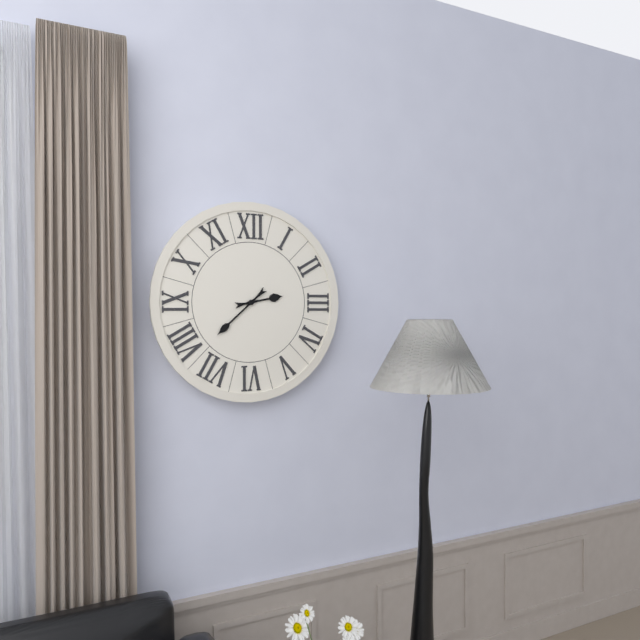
2:38
